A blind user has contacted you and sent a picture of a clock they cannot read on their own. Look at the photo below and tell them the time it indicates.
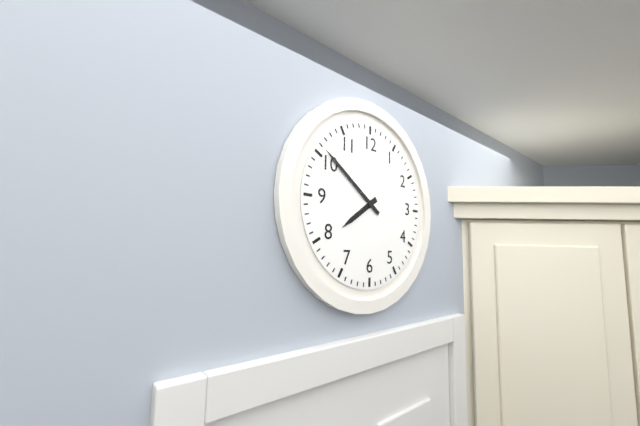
7:51
